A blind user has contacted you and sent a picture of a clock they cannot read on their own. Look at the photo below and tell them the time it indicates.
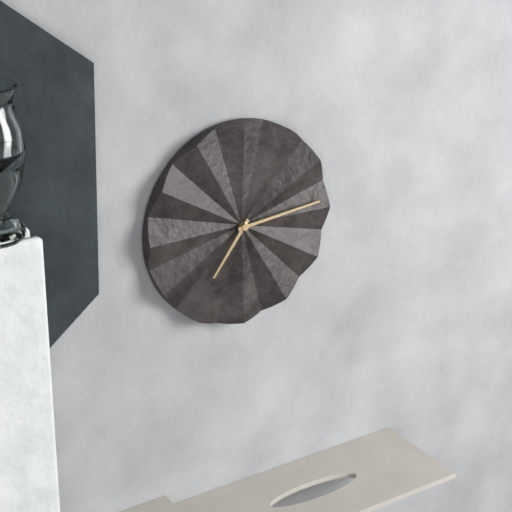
7:14
